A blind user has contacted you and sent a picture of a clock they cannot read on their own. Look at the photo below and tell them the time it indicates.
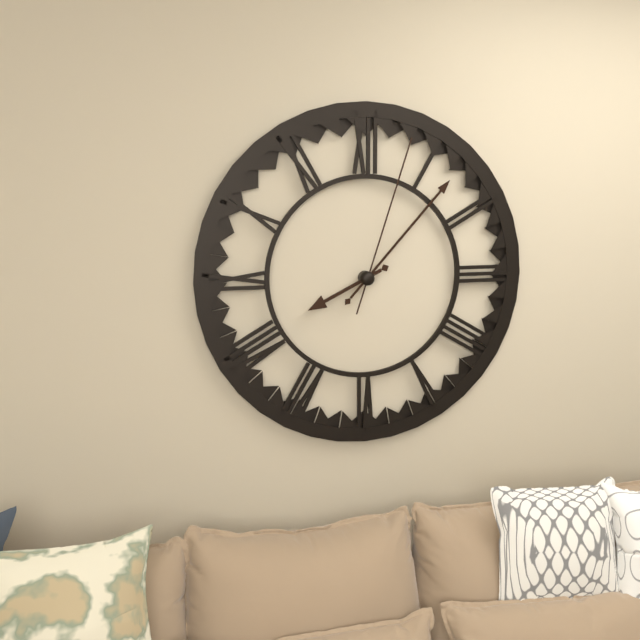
8:07:03
